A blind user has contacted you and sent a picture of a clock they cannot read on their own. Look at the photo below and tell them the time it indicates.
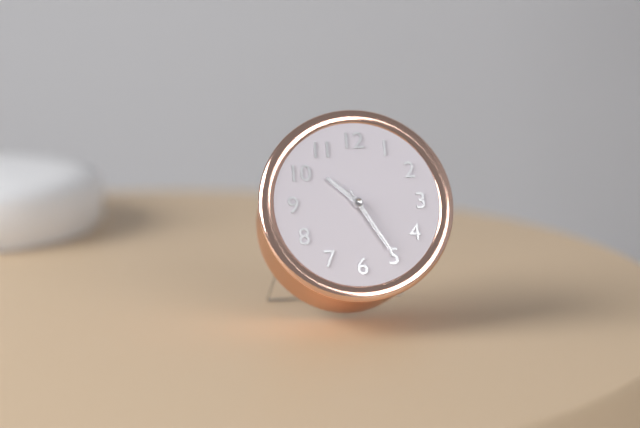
10:25:25
